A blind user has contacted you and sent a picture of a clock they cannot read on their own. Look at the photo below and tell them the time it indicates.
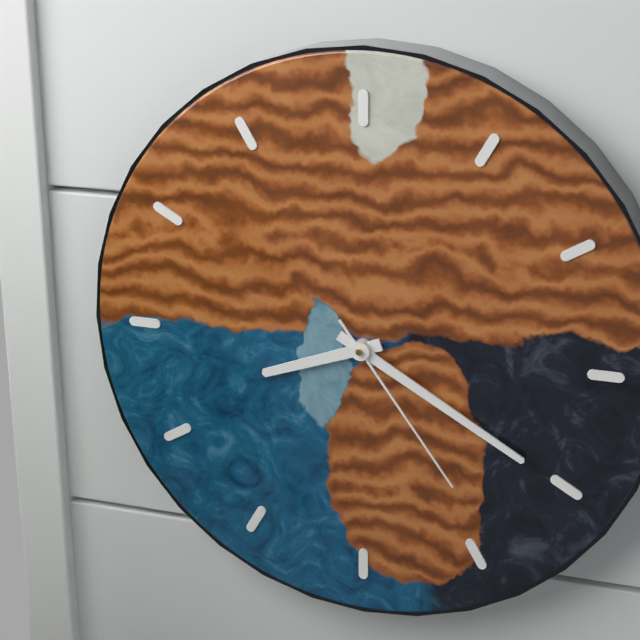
8:20:24
